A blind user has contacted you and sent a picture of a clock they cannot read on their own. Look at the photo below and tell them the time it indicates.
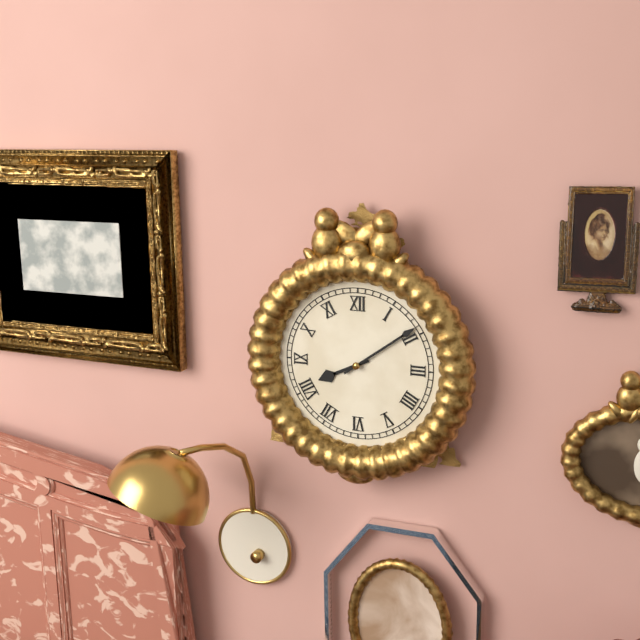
8:09
